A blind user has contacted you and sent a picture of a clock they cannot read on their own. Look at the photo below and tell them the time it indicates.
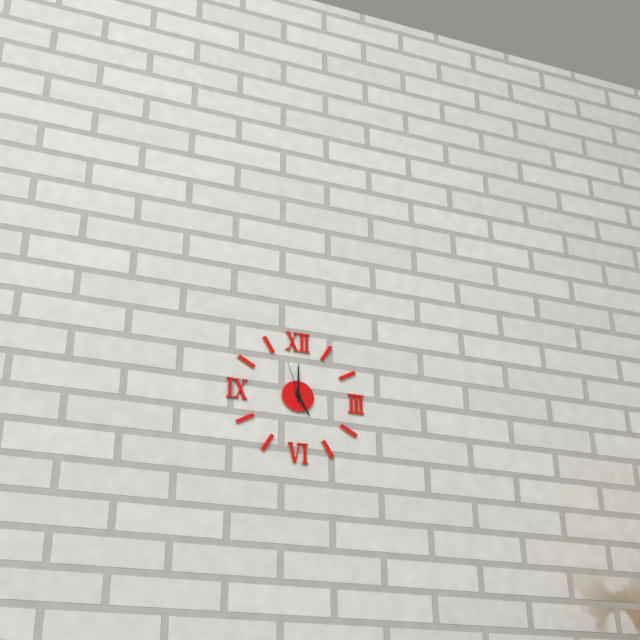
5:00
